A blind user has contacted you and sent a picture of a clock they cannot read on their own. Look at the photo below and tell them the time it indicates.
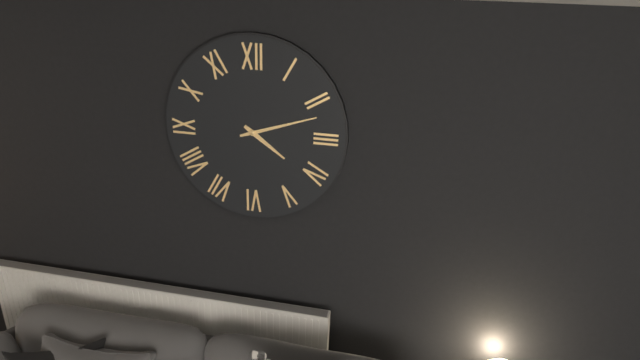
4:12
